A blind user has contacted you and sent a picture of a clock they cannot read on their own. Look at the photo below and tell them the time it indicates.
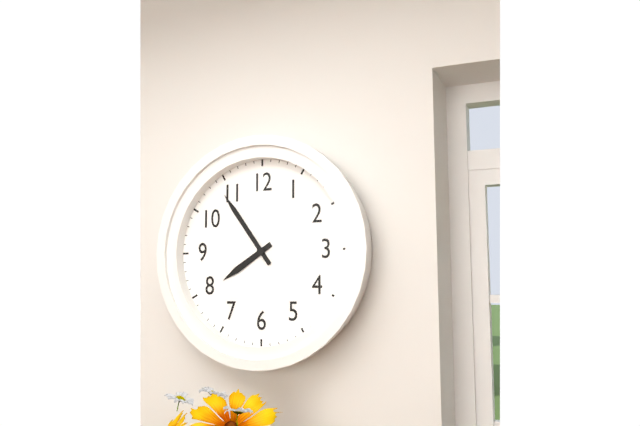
7:54
